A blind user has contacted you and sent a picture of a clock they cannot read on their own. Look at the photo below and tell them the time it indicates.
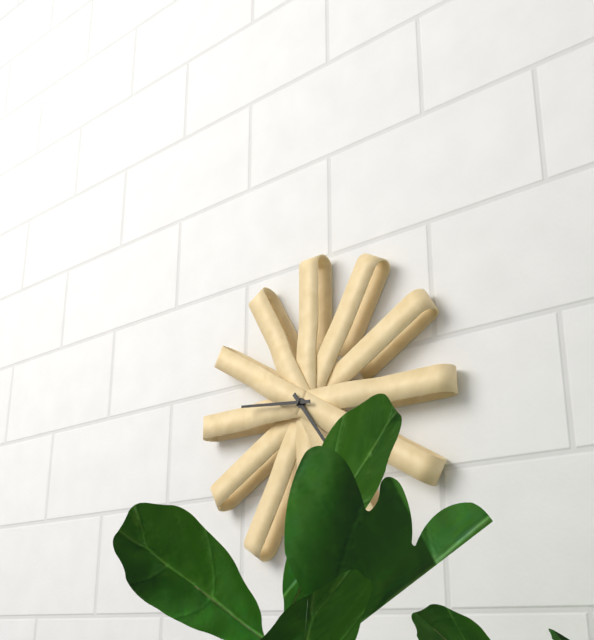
4:46
